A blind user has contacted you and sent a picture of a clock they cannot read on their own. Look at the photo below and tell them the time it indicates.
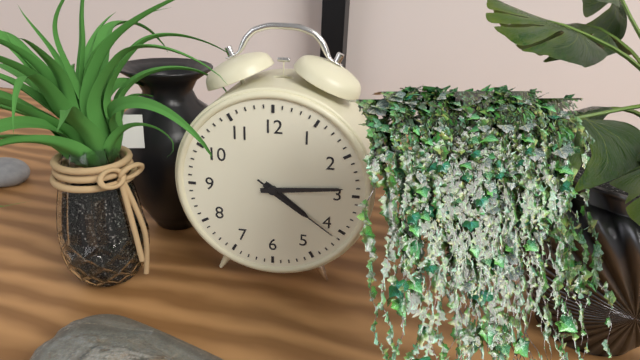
4:14:21
